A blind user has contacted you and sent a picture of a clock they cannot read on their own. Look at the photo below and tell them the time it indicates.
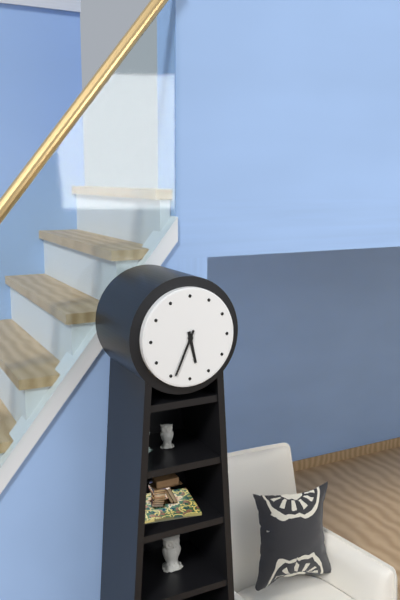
5:34
